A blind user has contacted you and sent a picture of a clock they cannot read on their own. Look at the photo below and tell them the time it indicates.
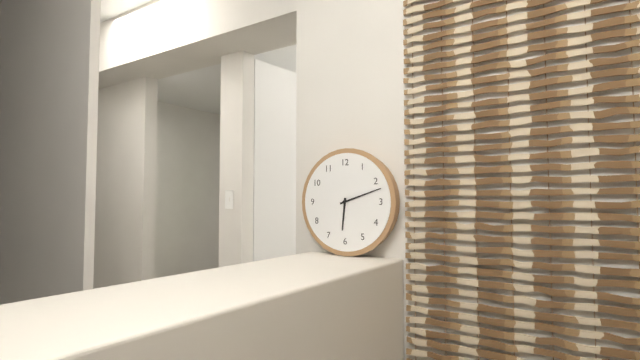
6:12
